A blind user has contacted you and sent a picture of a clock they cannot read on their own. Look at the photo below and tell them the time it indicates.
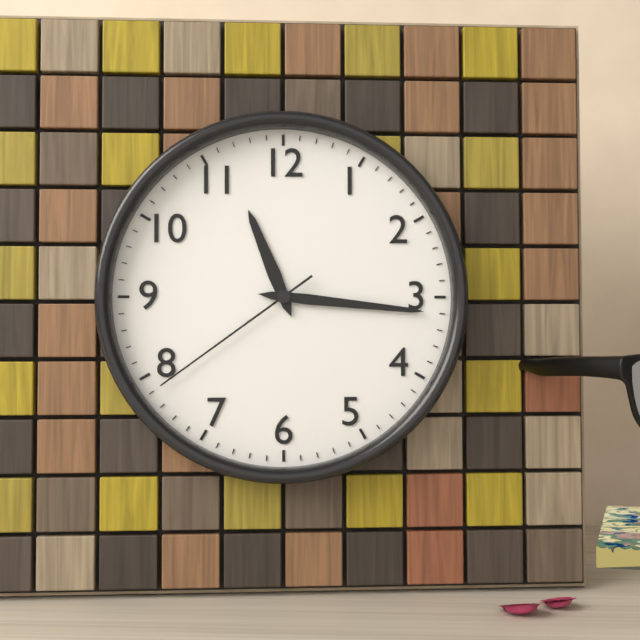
11:16:39
